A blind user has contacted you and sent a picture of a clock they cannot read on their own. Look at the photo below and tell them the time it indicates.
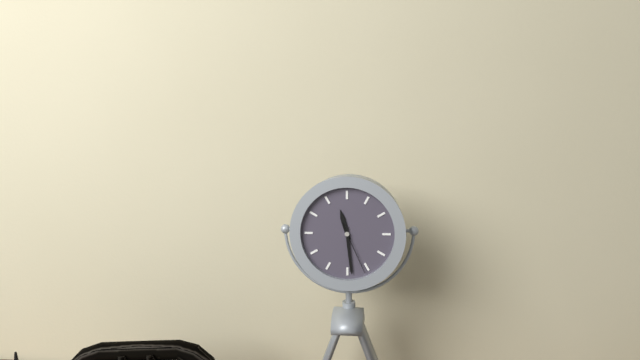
11:29:26
